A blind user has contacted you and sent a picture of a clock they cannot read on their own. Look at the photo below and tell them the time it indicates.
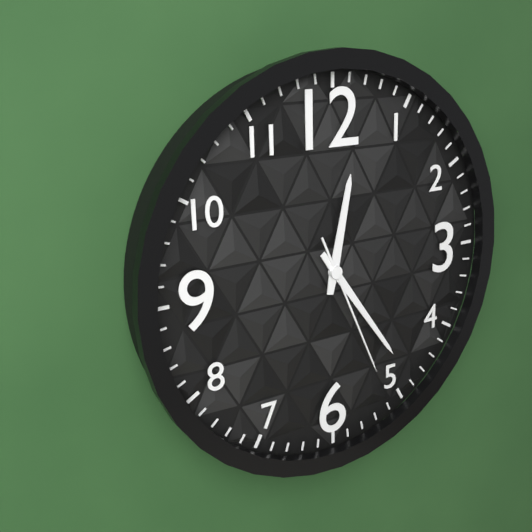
12:24:26
